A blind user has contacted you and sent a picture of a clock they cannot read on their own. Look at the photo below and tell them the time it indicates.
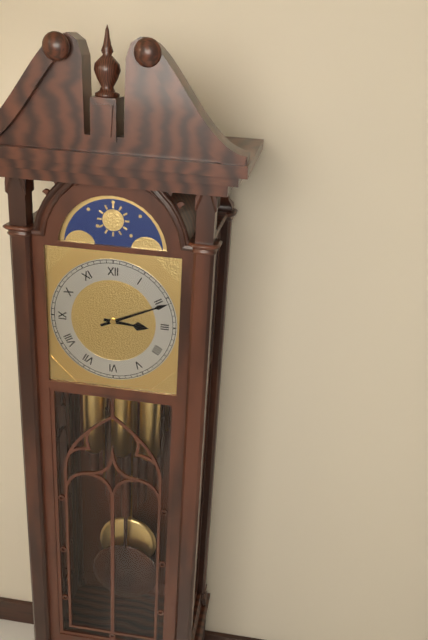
3:11
